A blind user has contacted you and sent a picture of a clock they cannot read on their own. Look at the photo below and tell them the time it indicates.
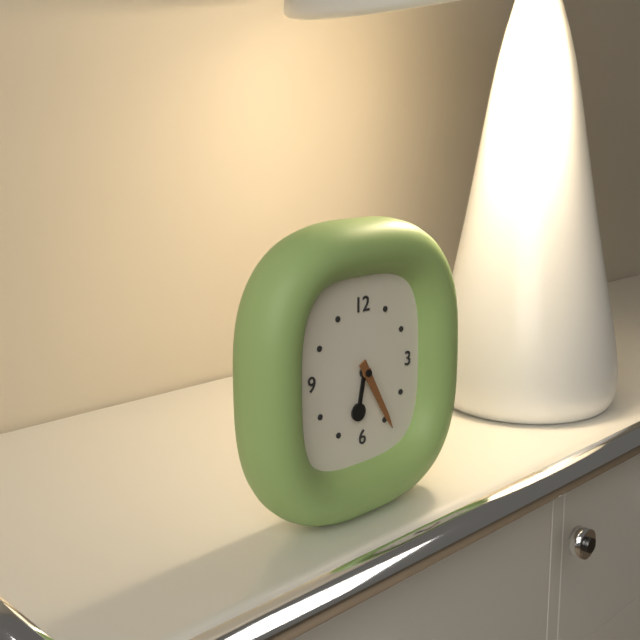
6:25
